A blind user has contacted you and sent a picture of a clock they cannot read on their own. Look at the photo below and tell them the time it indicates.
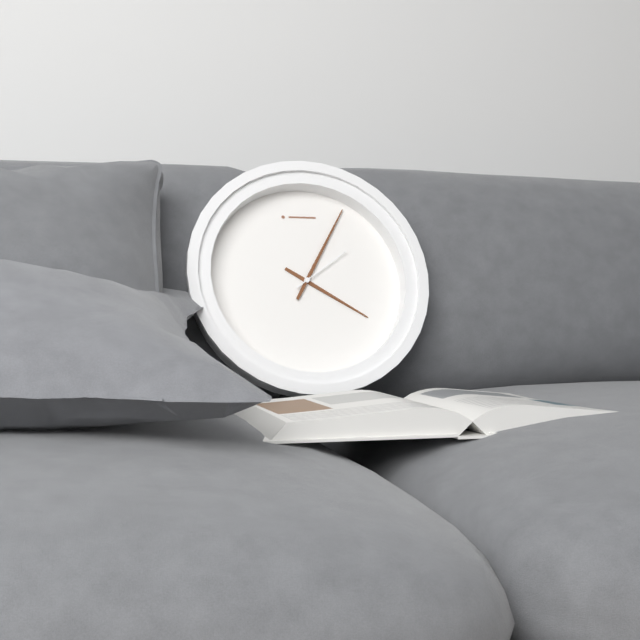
4:05:09
